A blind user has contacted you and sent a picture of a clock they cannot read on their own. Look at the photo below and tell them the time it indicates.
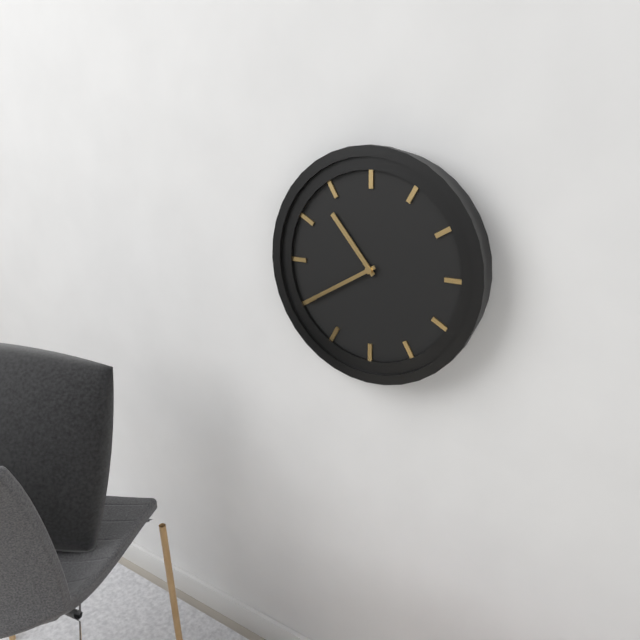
10:40
